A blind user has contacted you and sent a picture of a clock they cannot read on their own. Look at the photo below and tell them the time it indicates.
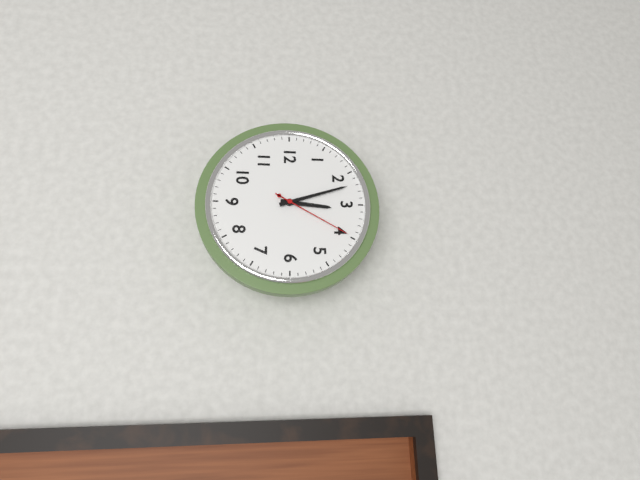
3:12:20
